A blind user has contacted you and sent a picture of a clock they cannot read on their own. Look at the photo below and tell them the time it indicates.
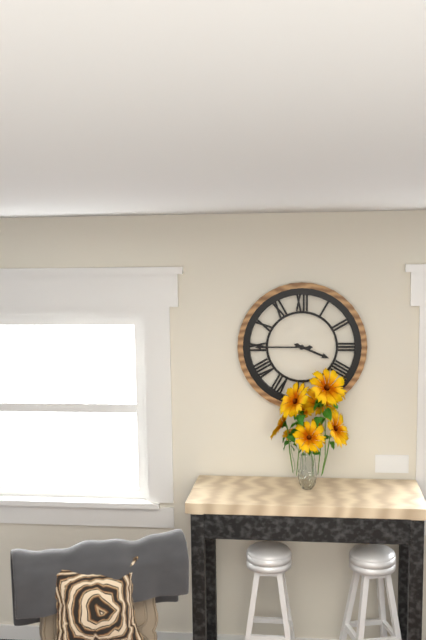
3:45
